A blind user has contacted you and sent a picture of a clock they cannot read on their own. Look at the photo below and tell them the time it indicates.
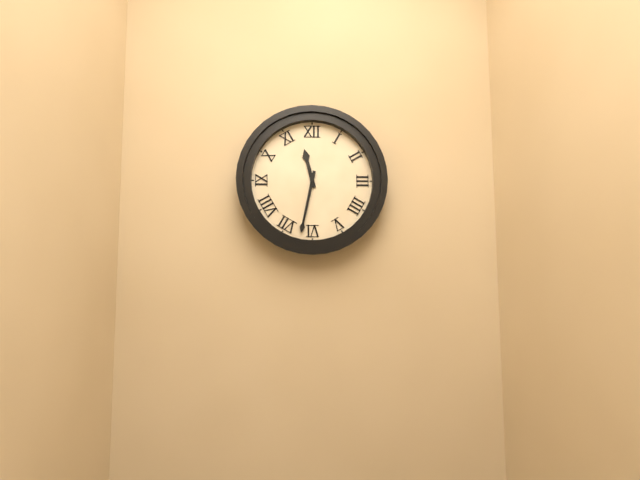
11:32
